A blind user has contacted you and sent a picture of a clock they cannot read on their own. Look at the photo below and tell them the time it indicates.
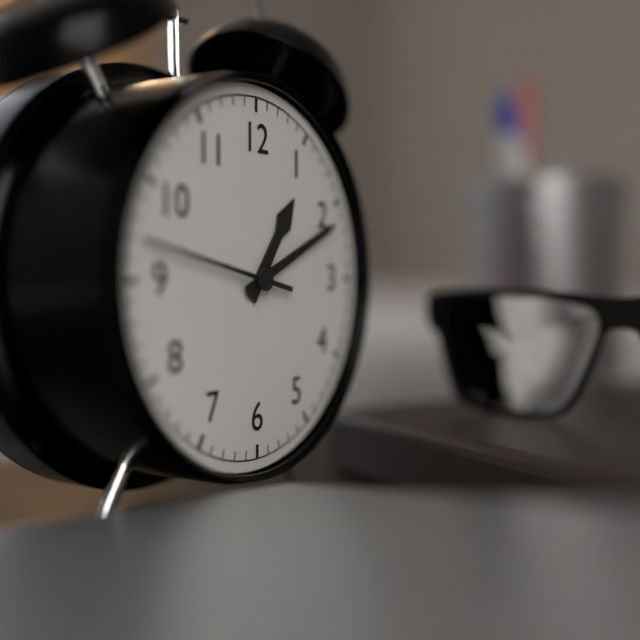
1:11:47
